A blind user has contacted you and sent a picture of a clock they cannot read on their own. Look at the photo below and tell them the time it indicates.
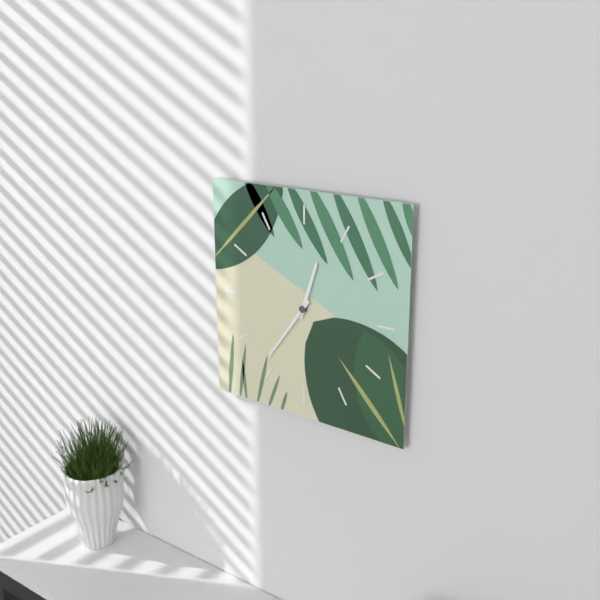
12:36
